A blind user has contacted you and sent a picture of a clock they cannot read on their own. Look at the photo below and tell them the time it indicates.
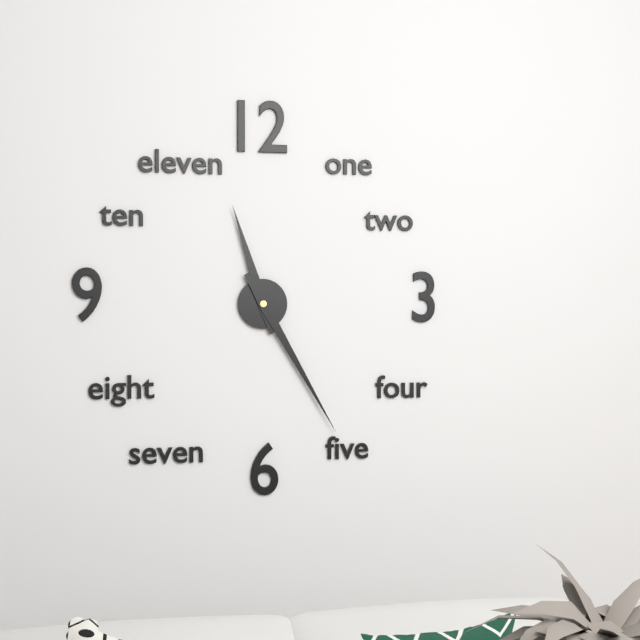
11:25
